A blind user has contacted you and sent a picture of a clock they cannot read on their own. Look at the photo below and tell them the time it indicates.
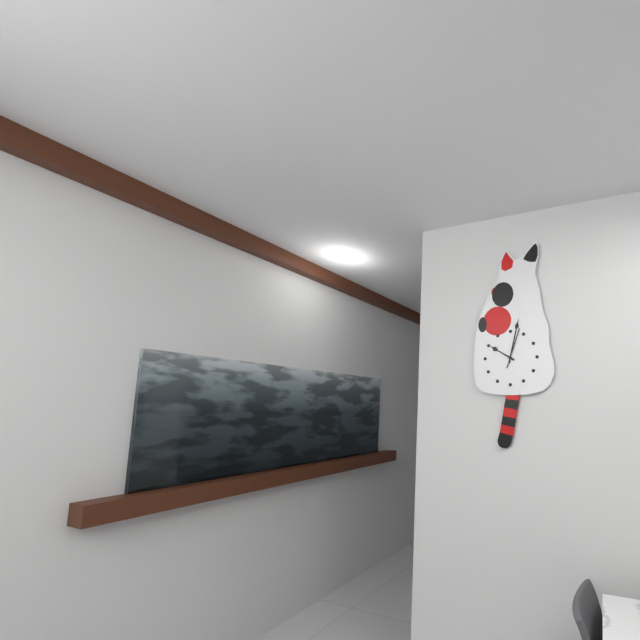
10:02
